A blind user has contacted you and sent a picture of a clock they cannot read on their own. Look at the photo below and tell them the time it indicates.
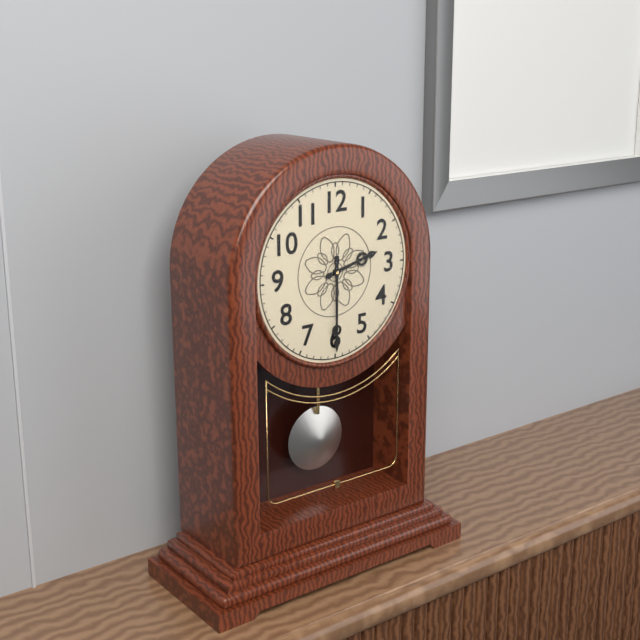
2:30
